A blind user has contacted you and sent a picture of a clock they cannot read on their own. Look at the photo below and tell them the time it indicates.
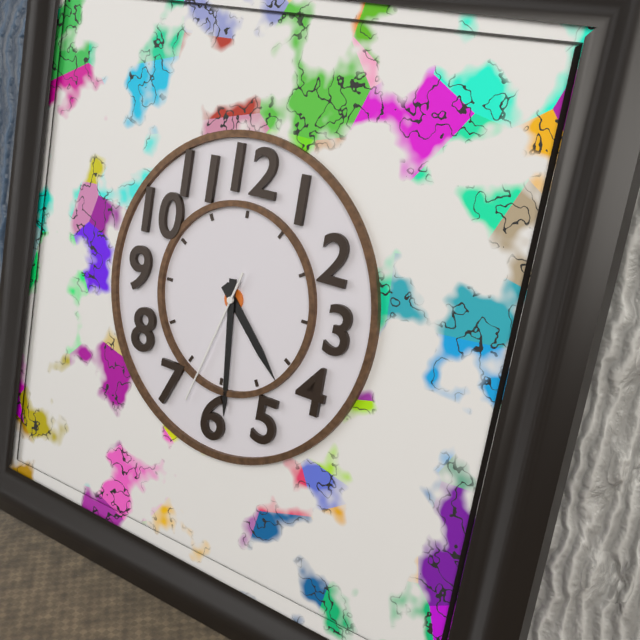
4:29:33
